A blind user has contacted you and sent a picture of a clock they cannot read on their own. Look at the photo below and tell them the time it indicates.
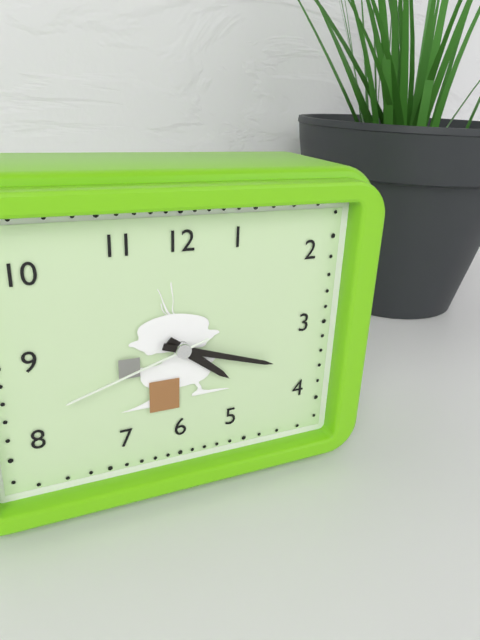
4:18:42
